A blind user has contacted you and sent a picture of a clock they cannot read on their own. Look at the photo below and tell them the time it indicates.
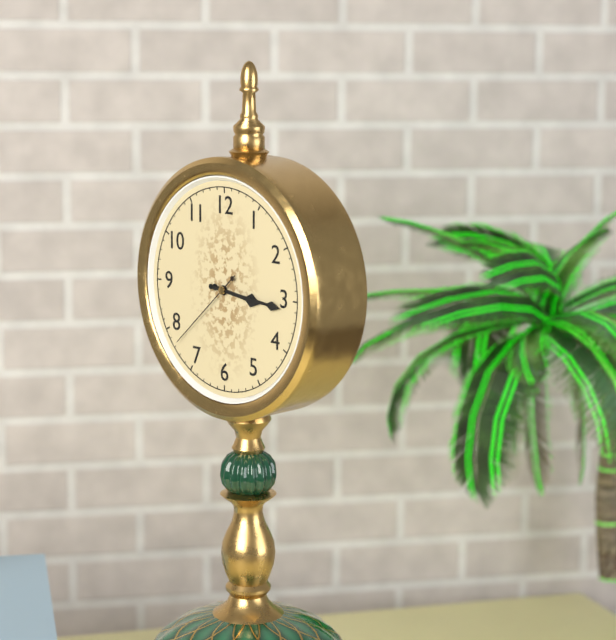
3:16:38
